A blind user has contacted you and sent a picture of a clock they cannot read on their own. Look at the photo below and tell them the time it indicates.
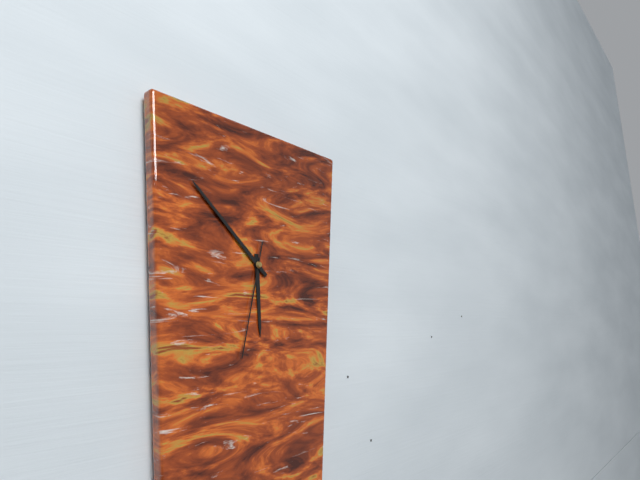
5:52:32
